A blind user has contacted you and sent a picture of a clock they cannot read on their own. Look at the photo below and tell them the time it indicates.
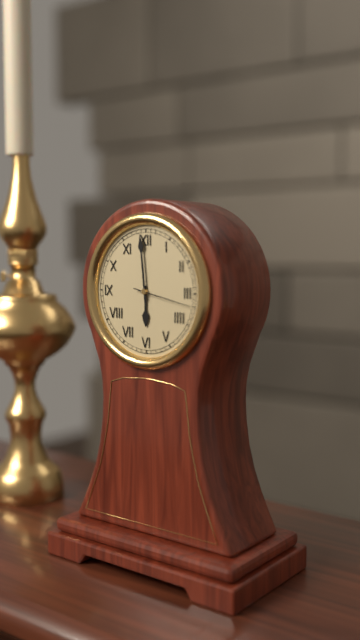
5:59
